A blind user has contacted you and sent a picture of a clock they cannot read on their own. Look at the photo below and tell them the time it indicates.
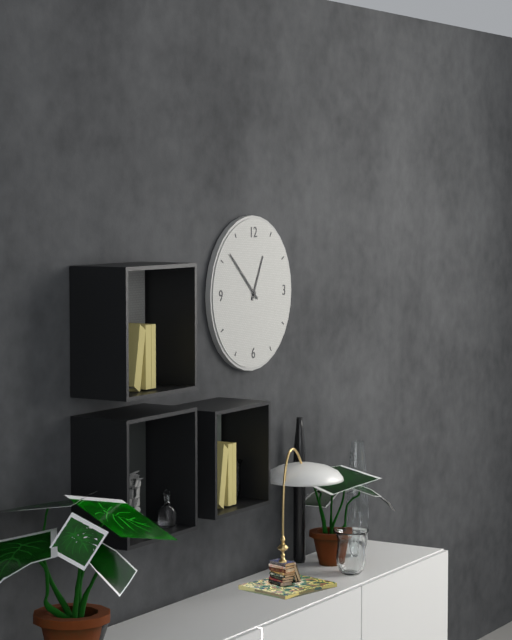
12:52
